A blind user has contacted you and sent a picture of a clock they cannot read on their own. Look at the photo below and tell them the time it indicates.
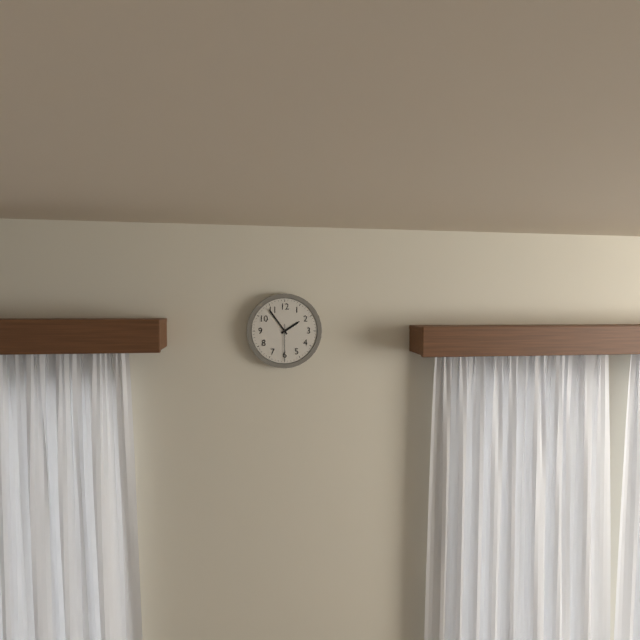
1:54
